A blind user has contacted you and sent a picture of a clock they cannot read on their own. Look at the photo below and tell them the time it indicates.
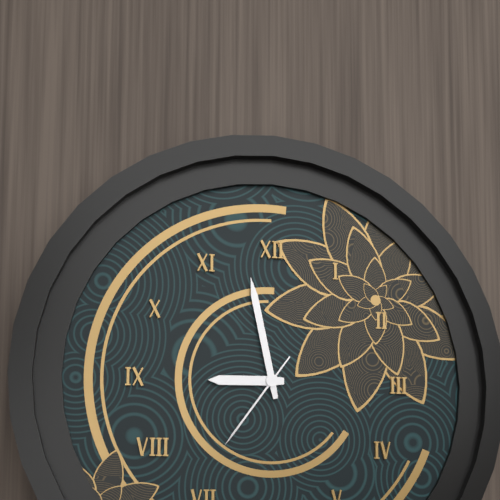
8:58:36
